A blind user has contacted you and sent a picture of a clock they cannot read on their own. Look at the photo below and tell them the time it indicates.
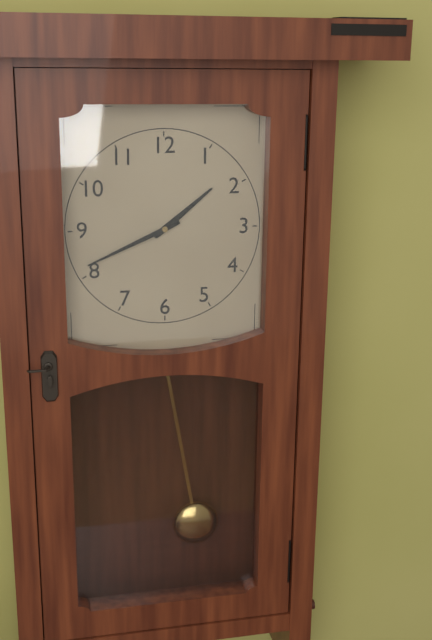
1:41
